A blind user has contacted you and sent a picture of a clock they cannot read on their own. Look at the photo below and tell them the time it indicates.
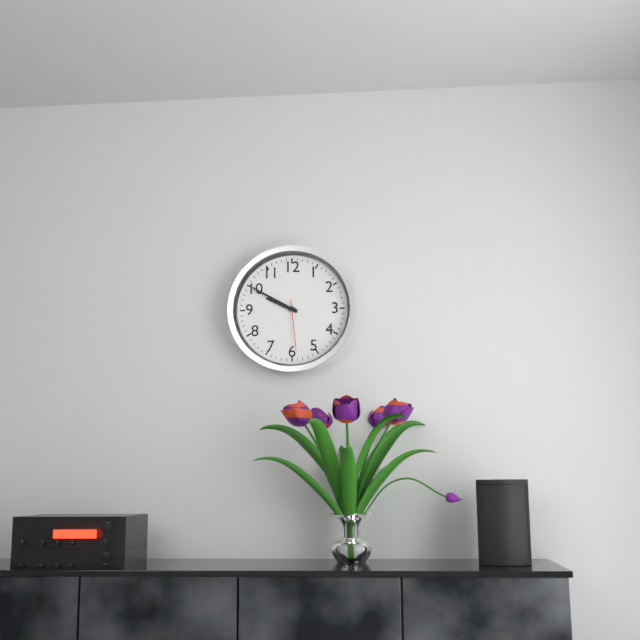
9:50:29
